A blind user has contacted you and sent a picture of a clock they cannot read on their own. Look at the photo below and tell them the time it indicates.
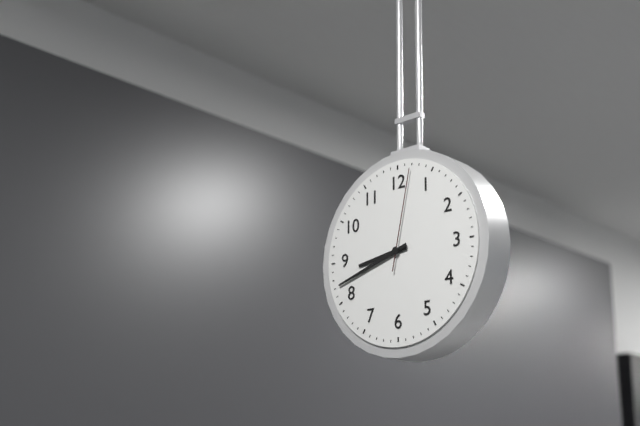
8:42:02
